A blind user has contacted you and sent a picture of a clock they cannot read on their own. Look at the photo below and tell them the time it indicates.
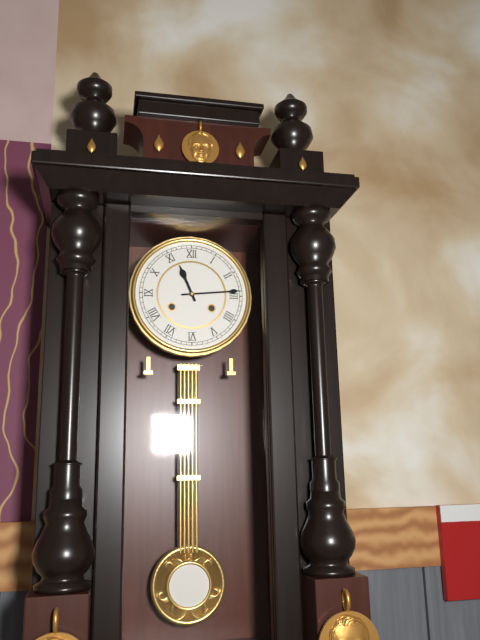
11:14
